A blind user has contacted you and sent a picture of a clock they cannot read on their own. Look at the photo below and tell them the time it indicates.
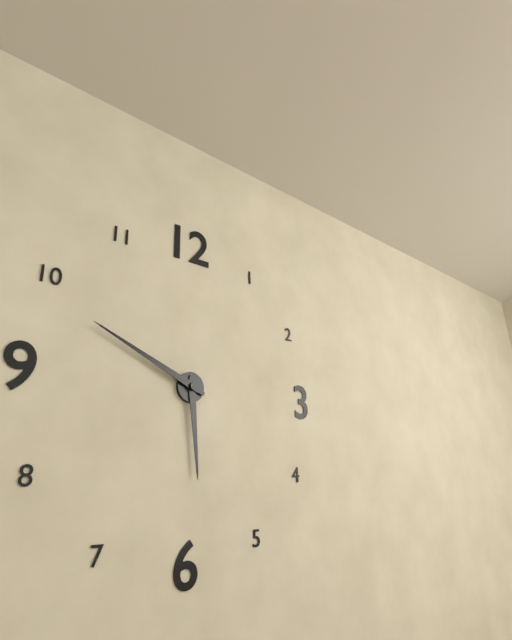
5:49
